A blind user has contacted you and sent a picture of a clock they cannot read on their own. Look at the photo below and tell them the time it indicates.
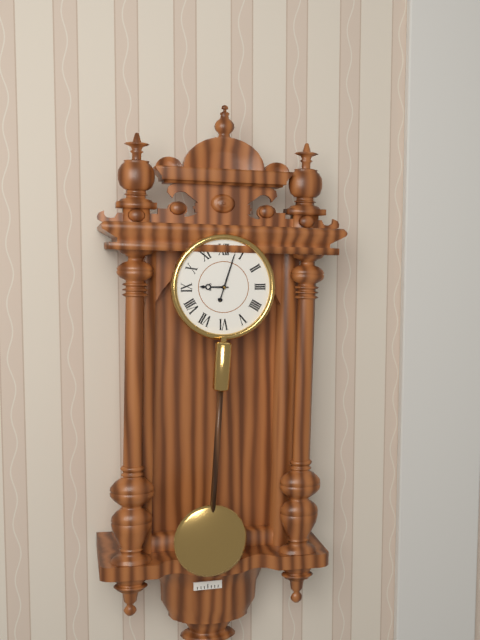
9:03
